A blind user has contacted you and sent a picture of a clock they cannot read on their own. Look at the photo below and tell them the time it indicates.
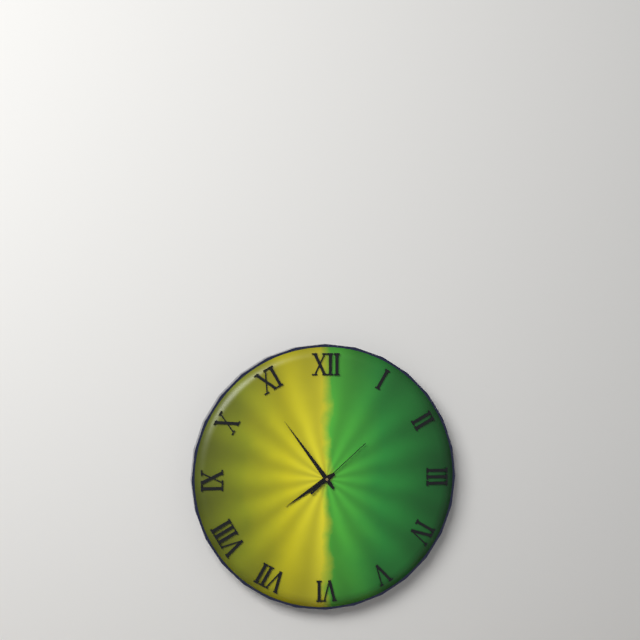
7:54:08
